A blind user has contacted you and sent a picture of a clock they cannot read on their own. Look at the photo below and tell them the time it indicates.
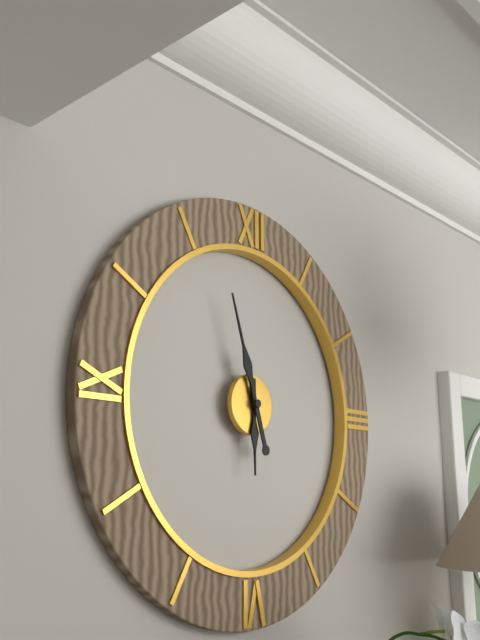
5:57
